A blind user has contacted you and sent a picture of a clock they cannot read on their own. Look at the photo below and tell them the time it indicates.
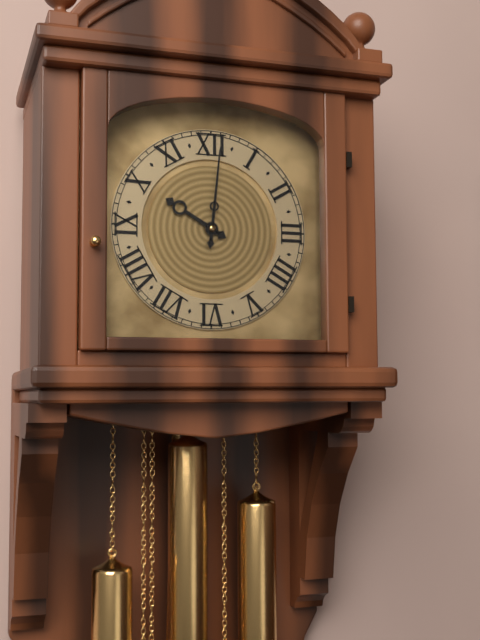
10:01
